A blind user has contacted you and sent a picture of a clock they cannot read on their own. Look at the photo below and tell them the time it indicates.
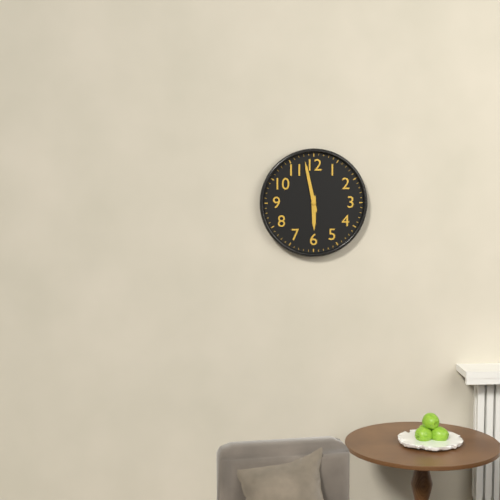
5:58
